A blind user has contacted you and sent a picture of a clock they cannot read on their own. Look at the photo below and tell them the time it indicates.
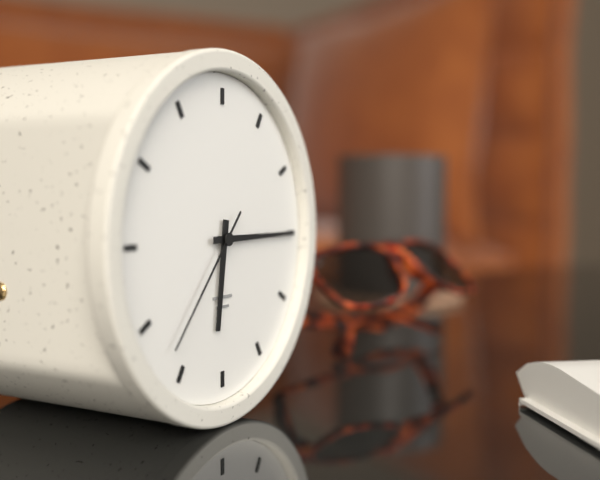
6:15:37
